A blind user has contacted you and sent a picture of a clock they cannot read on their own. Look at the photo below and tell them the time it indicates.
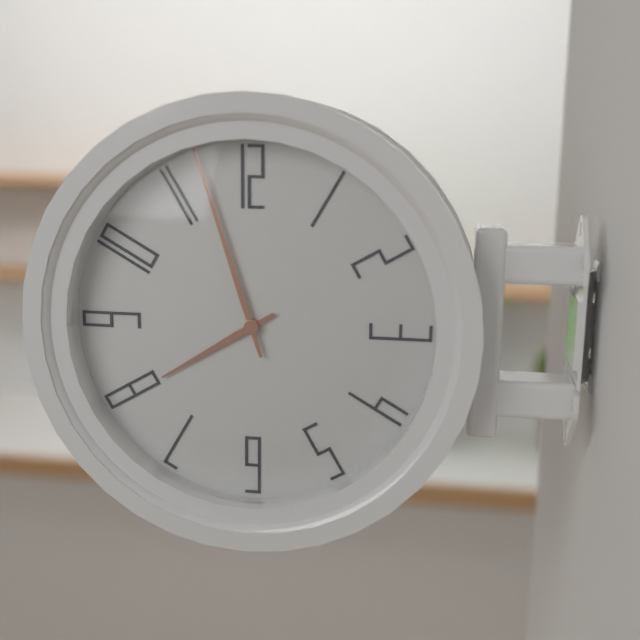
7:57
